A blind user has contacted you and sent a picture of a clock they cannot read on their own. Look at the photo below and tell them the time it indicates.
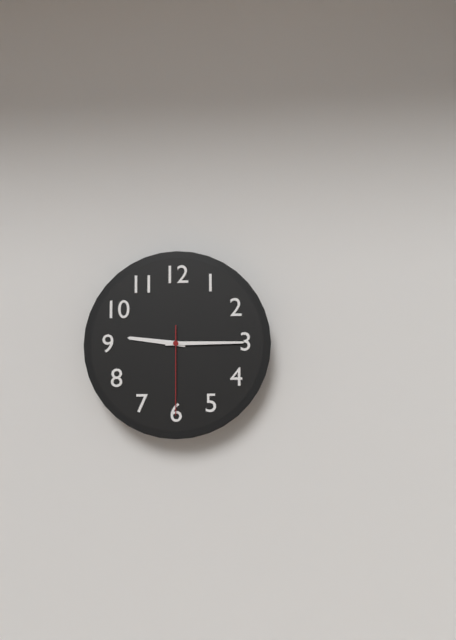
9:15:30
